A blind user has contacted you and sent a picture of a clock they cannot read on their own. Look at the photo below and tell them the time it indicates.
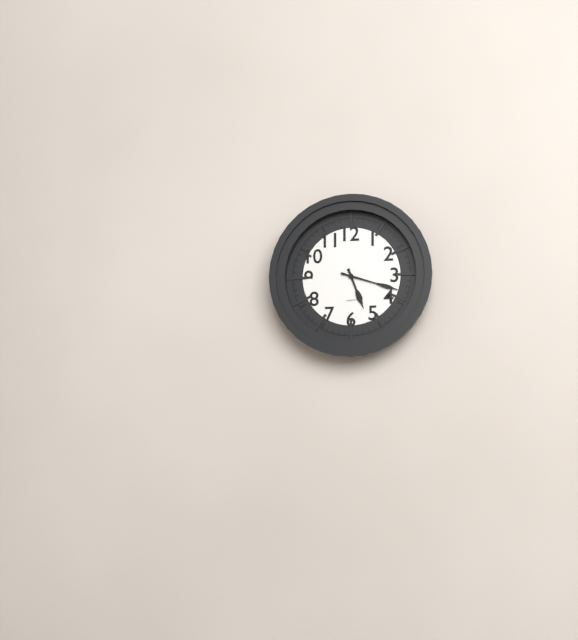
5:18
